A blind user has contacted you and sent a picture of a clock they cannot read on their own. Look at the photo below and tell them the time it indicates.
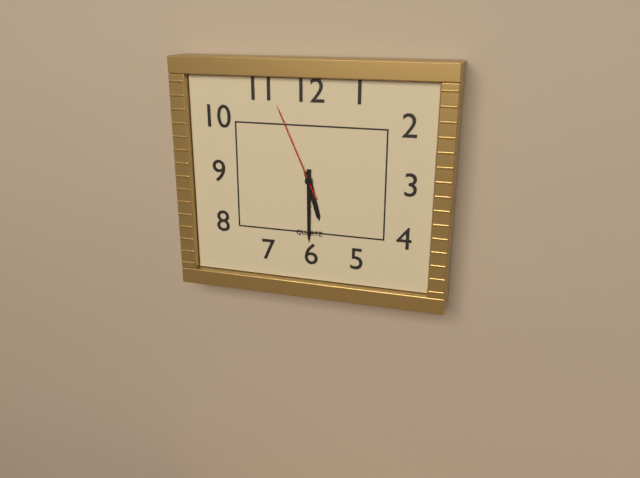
5:30:56
